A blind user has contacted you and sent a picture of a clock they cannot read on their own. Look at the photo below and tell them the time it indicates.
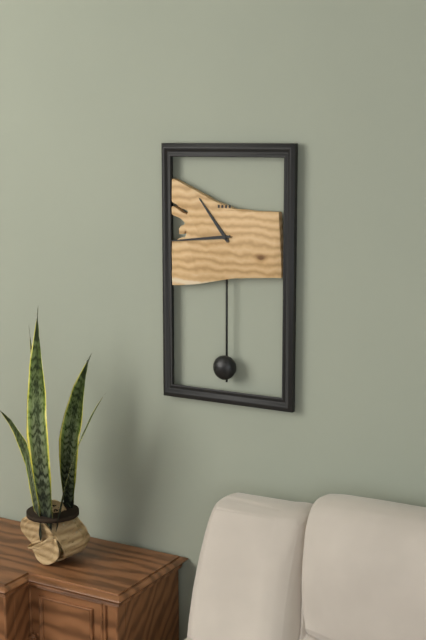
10:44
